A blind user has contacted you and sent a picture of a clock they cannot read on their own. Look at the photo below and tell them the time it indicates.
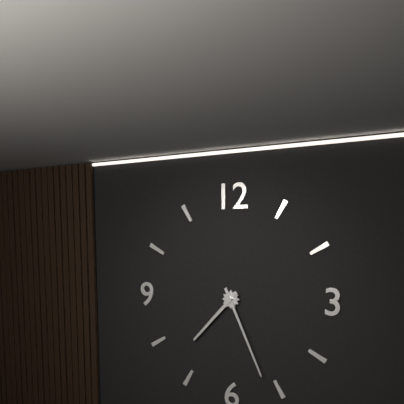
7:26
